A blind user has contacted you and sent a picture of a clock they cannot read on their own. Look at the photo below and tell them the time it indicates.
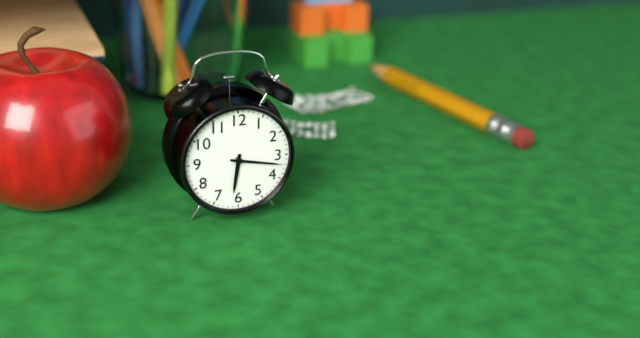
6:17
